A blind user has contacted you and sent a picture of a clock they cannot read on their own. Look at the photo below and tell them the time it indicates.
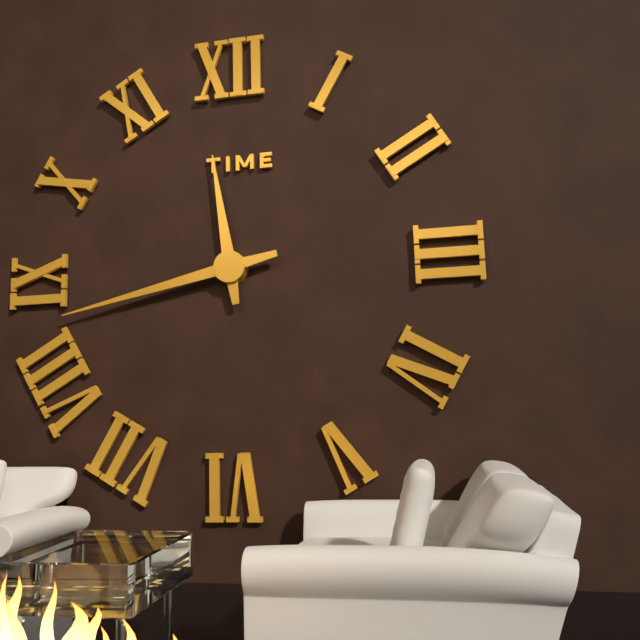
11:43
